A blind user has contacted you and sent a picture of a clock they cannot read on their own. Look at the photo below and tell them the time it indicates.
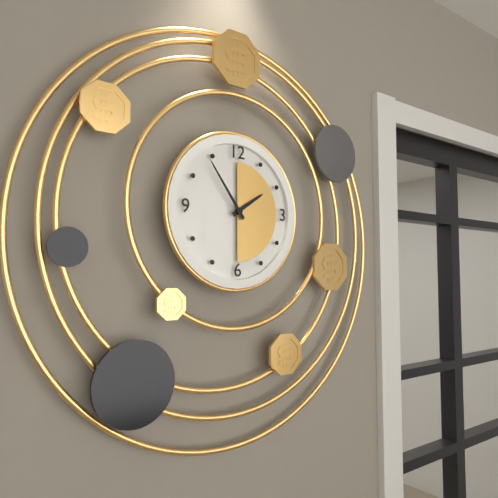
1:54
